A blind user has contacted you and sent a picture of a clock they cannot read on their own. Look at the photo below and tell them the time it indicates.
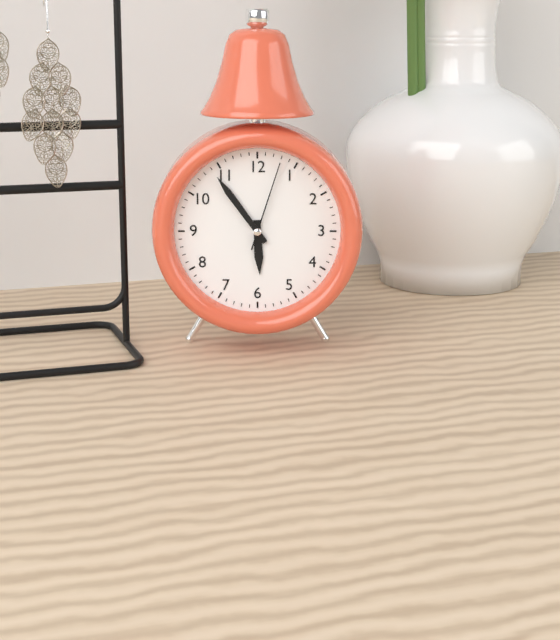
5:54:03
